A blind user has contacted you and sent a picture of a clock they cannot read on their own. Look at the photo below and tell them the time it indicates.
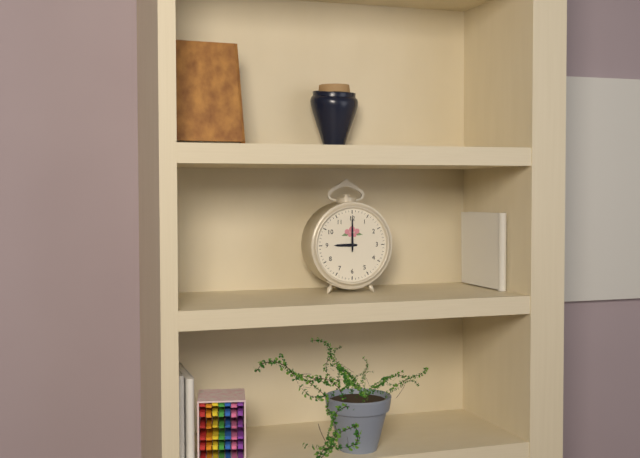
9:00
